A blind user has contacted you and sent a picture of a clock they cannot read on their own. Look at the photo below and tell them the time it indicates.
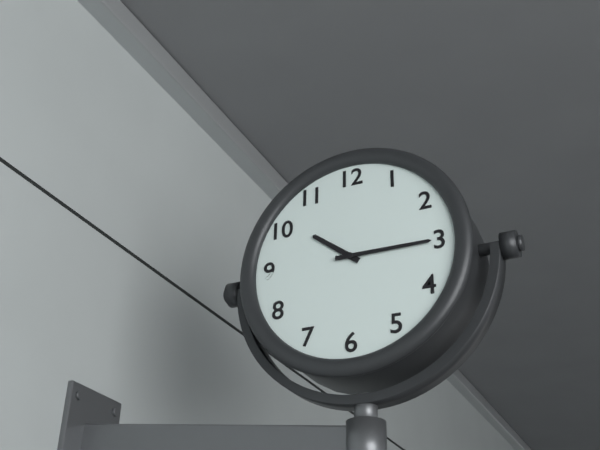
10:15
